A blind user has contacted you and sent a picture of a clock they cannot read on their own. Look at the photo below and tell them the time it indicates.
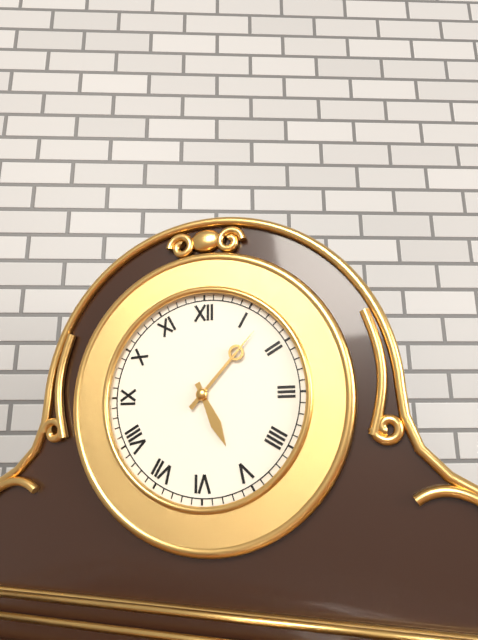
5:07
